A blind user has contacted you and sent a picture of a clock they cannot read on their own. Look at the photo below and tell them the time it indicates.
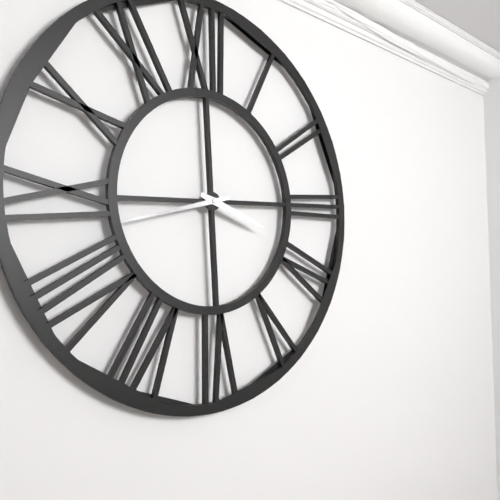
3:43
